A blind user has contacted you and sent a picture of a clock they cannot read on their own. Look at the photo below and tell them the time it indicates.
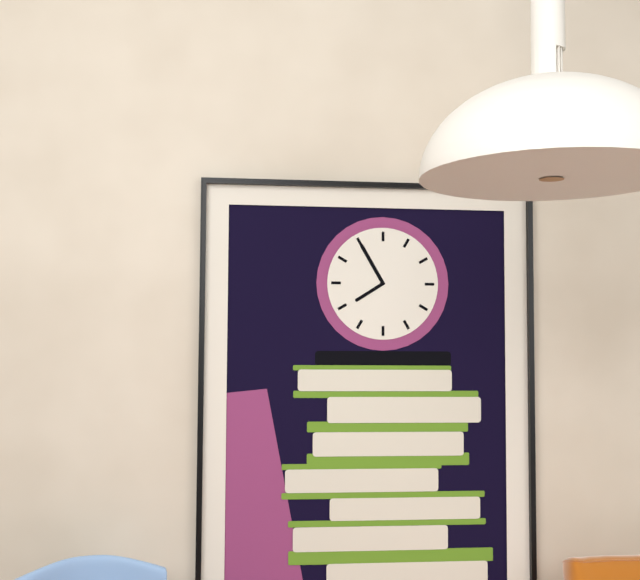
7:55
